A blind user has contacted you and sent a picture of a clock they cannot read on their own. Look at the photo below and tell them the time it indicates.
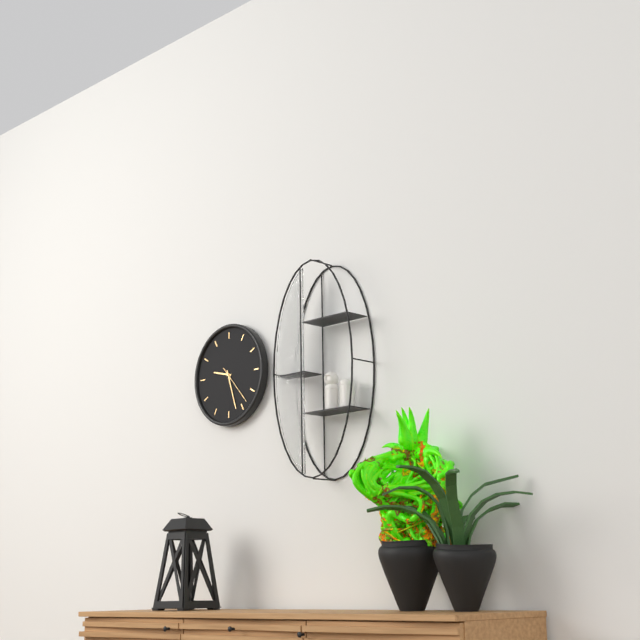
9:27
